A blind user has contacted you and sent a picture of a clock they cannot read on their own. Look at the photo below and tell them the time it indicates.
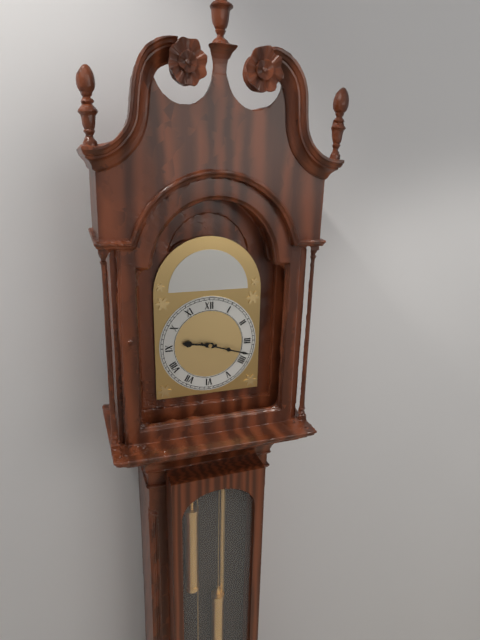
9:18
